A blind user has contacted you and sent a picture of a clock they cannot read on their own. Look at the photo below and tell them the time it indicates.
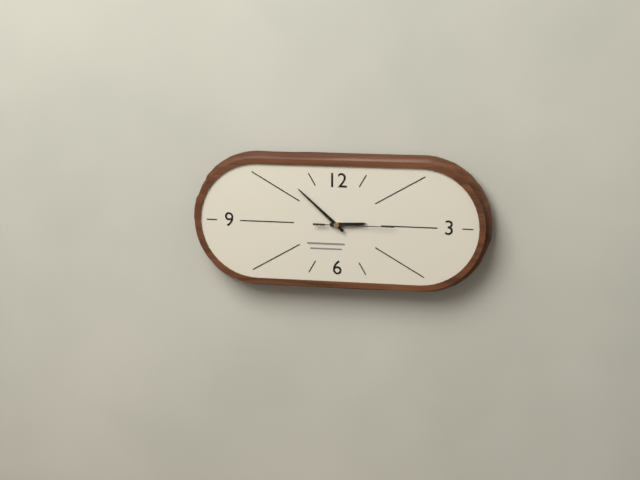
2:52:15
